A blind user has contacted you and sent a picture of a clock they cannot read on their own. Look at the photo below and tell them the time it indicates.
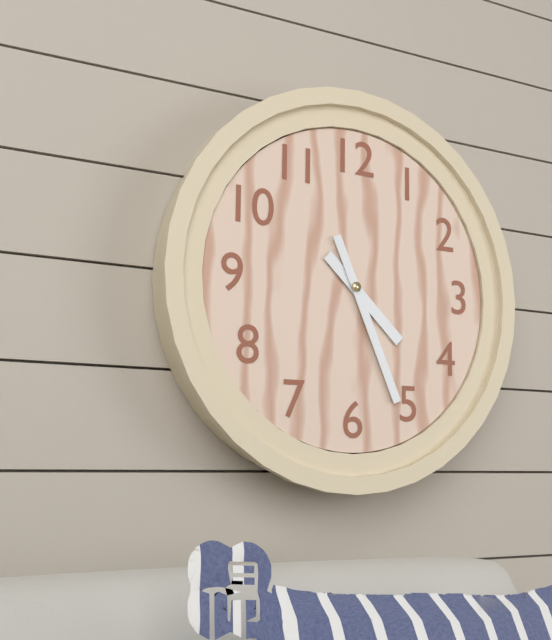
4:26
